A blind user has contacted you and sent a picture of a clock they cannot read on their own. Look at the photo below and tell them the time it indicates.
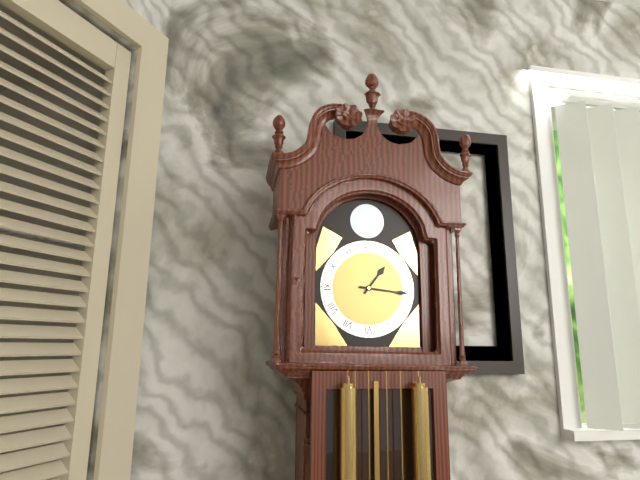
1:16
